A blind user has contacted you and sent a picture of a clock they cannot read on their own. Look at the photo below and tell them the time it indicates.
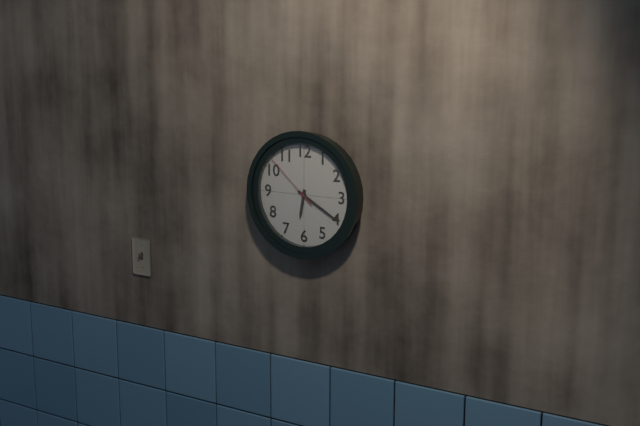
6:20:52
